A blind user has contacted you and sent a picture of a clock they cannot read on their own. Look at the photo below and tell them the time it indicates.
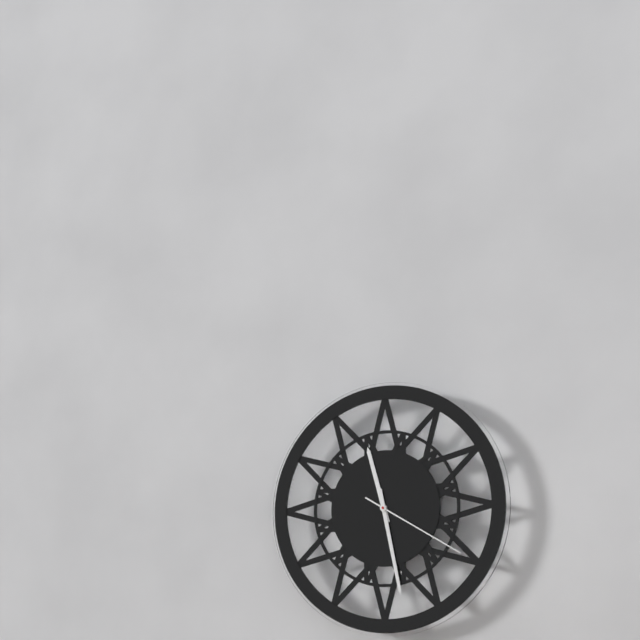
11:28:20
